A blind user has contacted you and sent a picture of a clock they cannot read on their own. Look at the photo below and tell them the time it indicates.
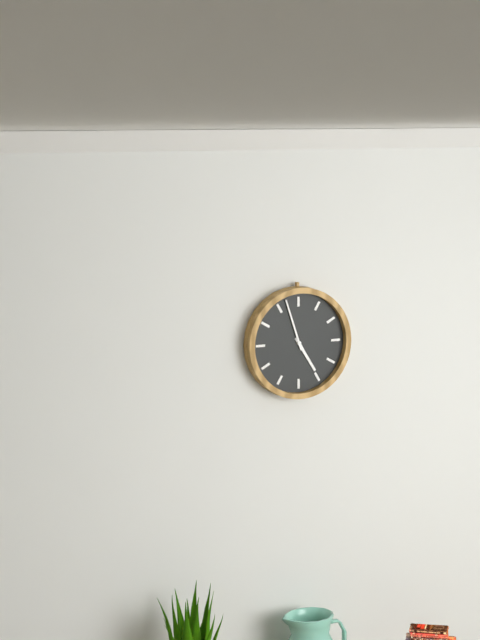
4:57
